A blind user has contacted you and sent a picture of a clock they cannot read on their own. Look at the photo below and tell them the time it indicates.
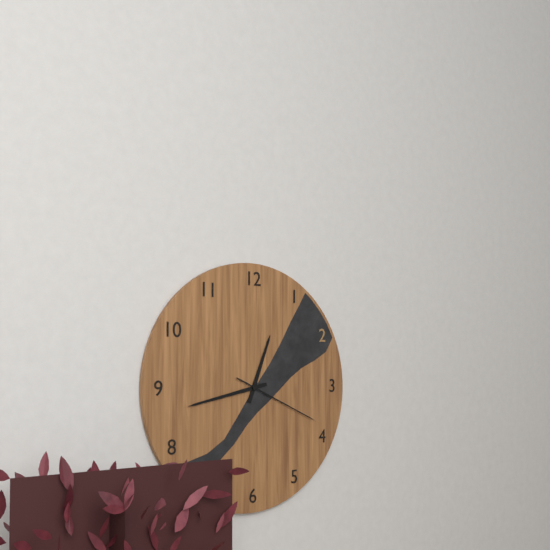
12:43:19
